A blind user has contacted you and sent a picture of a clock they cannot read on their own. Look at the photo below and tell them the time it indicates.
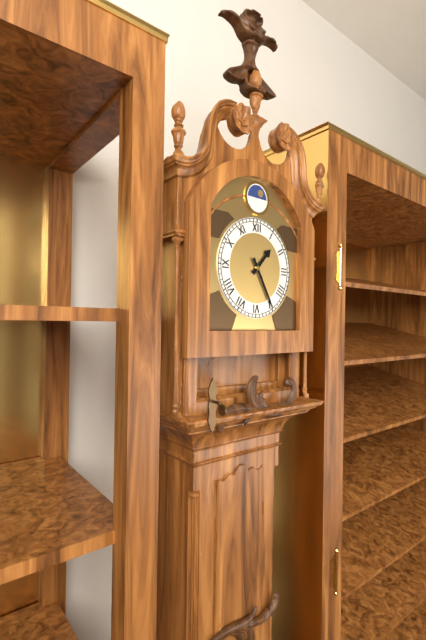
1:25
